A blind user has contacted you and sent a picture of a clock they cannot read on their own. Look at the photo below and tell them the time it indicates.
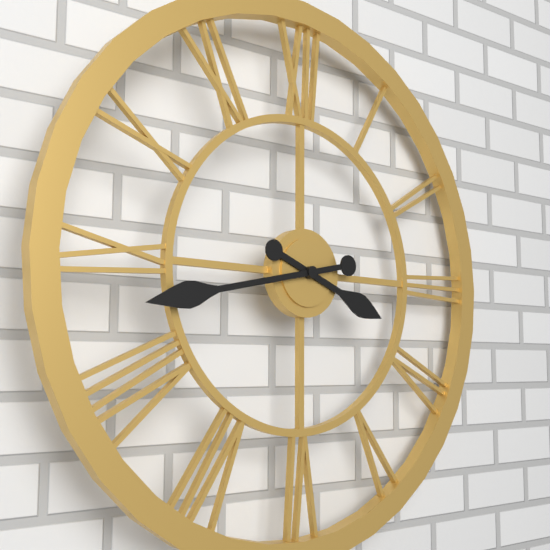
3:43
